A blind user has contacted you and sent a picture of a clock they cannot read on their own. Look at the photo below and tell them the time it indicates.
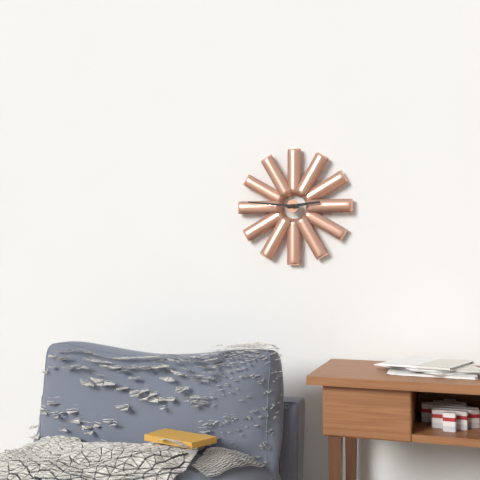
2:46
